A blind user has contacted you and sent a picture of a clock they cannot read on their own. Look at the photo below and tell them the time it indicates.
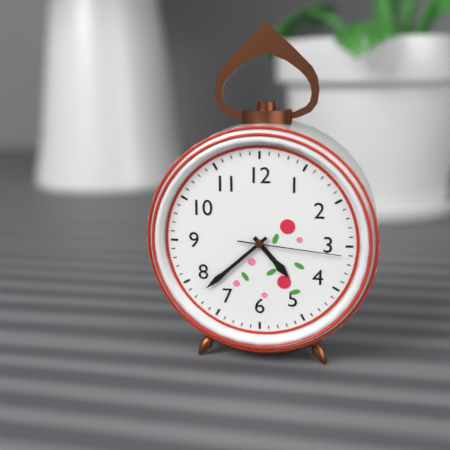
4:38:16
